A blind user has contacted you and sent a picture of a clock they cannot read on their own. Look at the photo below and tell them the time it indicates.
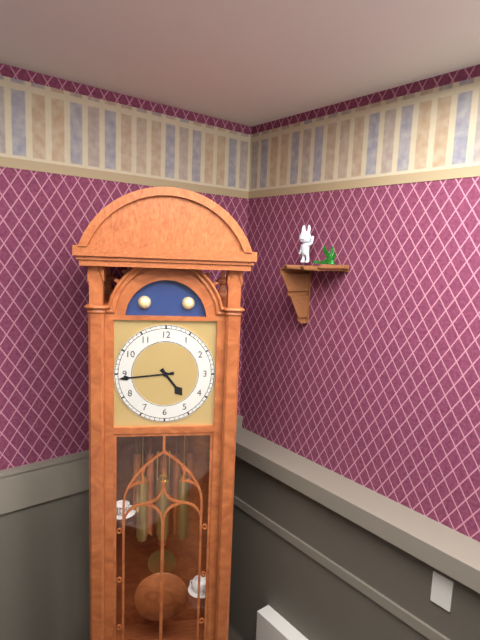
4:44
